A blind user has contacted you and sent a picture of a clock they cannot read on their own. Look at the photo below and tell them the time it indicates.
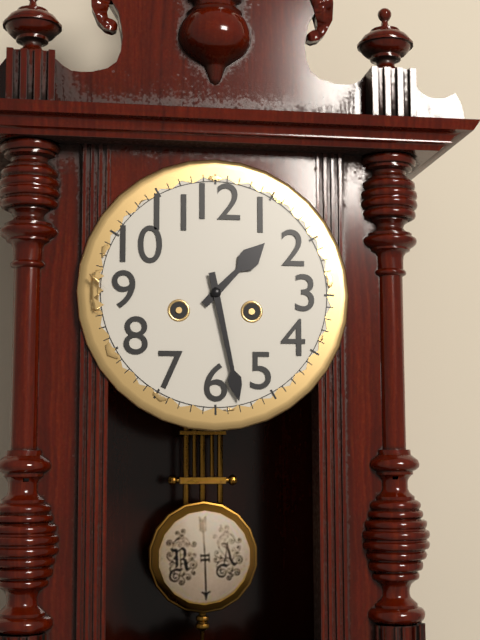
1:28
